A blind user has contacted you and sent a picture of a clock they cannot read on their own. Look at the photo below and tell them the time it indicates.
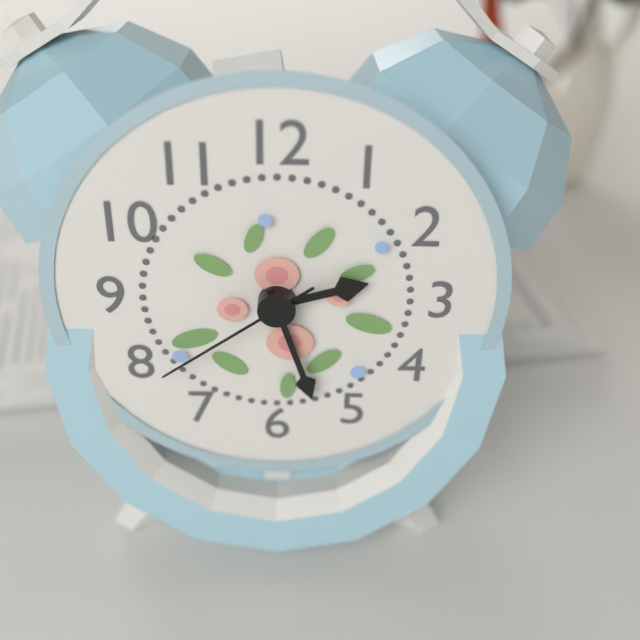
2:27:39
